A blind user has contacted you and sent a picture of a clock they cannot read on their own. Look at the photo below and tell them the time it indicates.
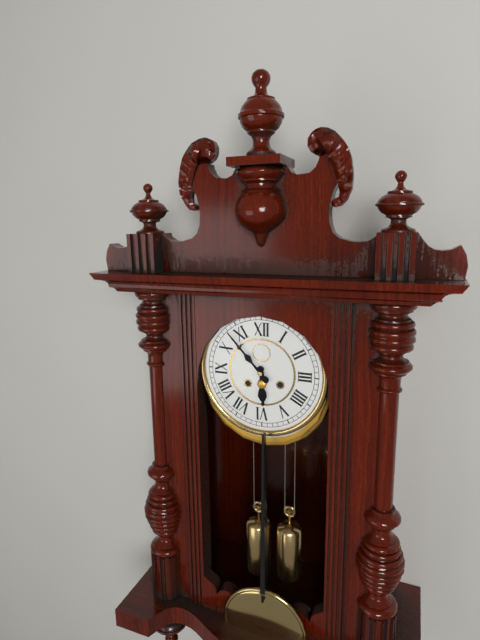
5:53
